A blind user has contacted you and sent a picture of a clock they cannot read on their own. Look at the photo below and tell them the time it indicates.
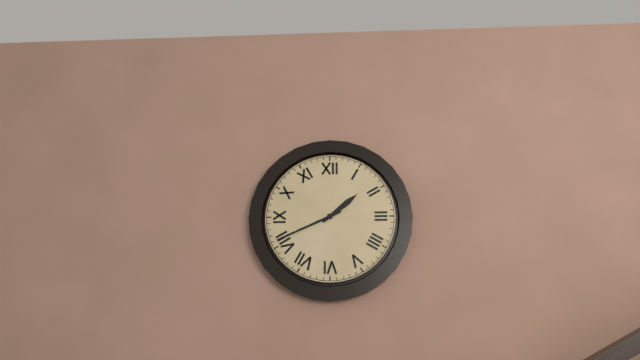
1:41
